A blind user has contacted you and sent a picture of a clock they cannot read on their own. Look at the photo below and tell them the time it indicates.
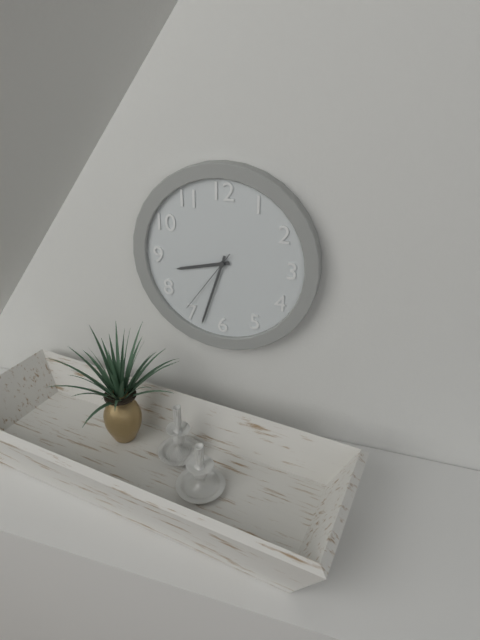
8:33:36
